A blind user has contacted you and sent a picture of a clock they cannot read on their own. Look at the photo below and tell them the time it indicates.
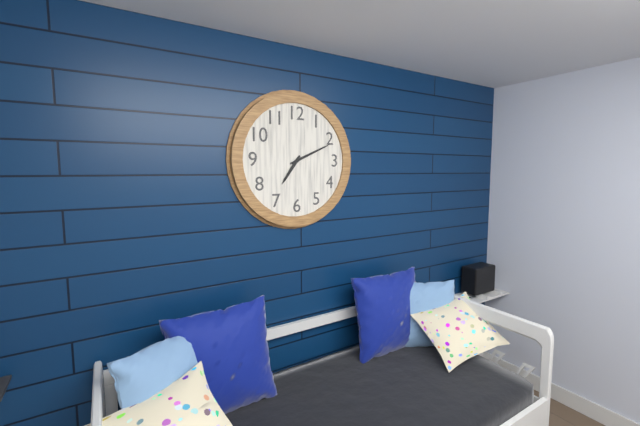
7:11
